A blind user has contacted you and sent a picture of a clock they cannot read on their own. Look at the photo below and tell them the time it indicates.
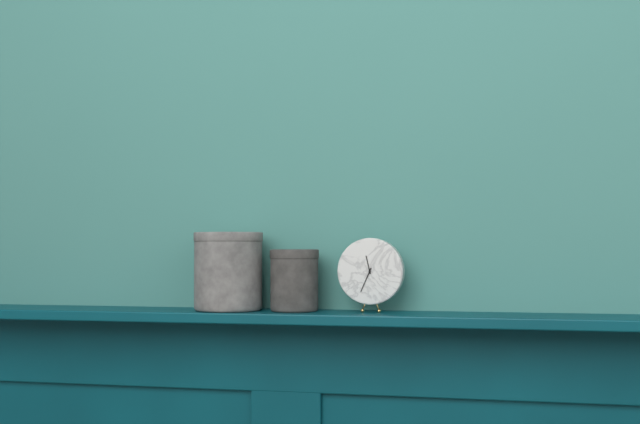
11:34
